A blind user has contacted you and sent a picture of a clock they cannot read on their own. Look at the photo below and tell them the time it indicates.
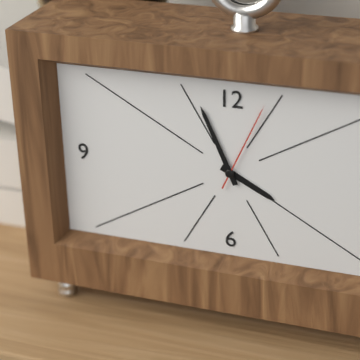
3:56:04
